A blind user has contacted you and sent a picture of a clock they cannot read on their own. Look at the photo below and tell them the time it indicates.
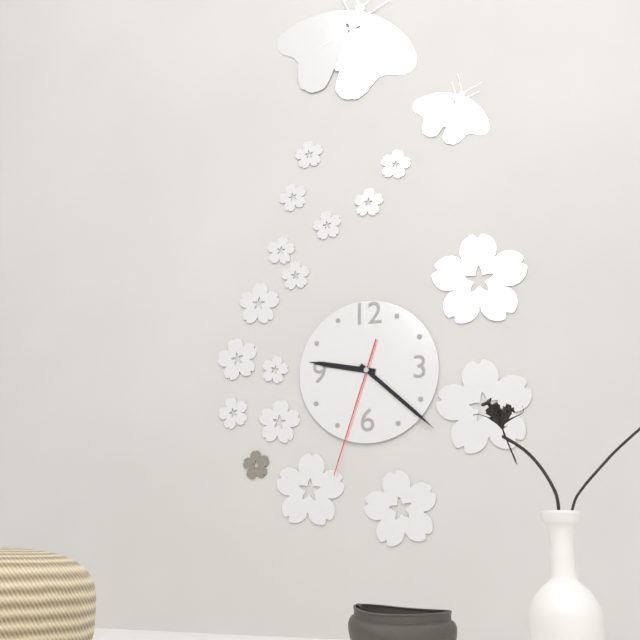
9:22:33
